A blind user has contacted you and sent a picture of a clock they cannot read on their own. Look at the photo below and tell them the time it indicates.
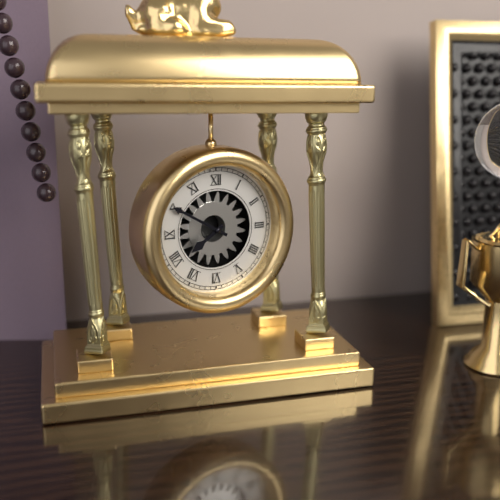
7:50
